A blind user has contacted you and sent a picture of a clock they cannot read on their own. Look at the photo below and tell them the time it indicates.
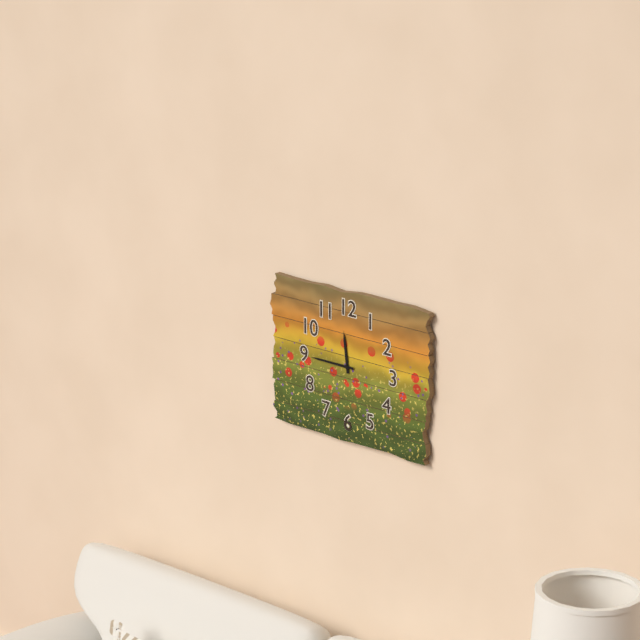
11:45
